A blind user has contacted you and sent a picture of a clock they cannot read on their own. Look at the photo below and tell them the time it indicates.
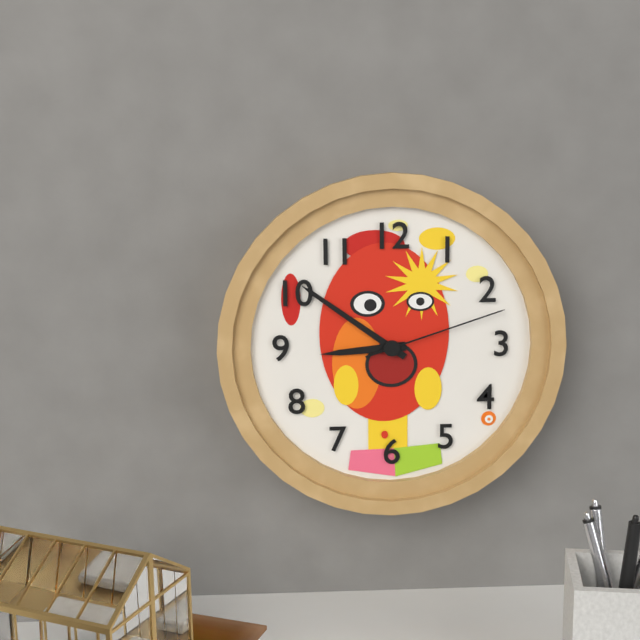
8:51:12
